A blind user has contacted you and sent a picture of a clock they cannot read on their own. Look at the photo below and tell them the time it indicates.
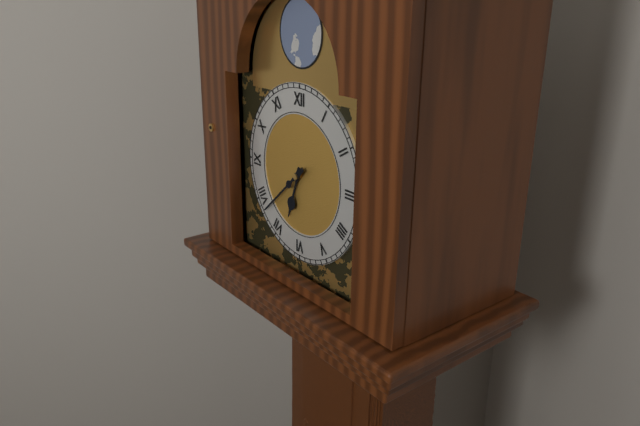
6:38
